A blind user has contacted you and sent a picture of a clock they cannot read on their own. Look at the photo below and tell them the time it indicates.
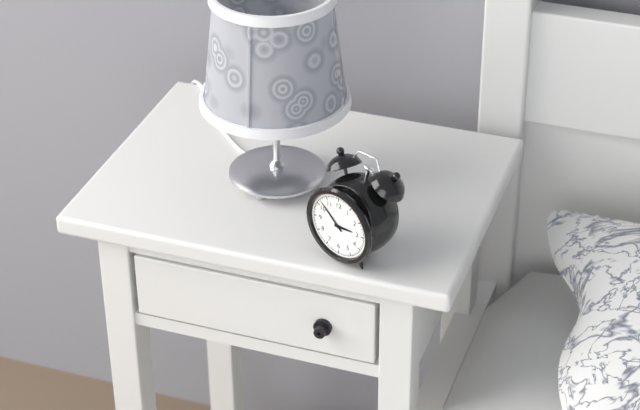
2:52
